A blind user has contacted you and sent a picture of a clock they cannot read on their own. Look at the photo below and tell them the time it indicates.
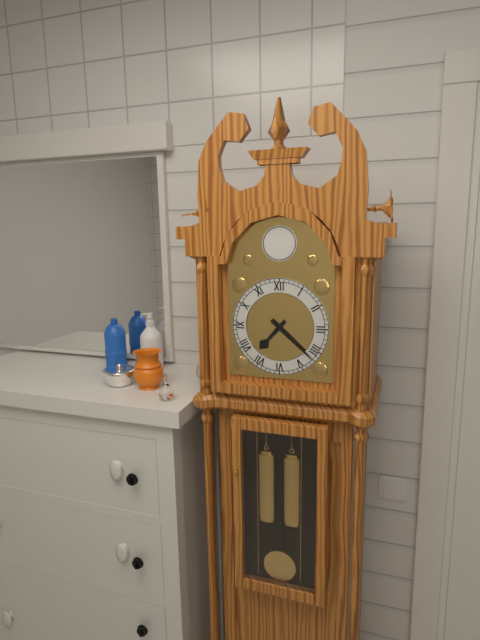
7:22
